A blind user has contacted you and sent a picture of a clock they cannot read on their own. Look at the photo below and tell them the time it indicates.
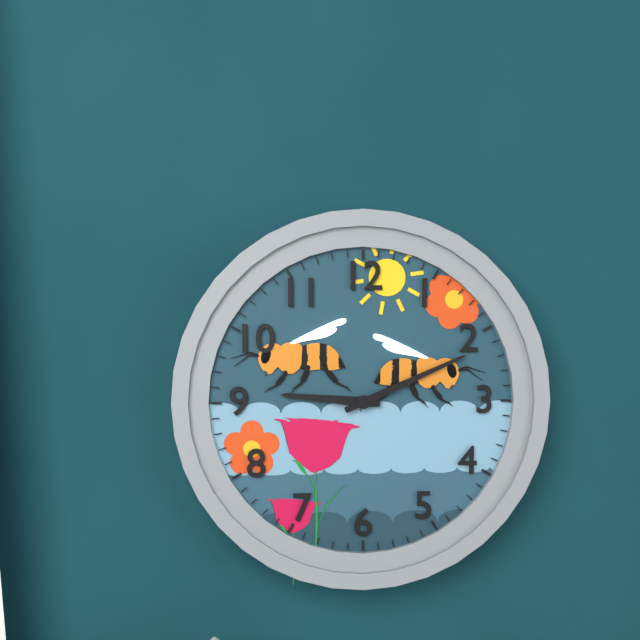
9:11
